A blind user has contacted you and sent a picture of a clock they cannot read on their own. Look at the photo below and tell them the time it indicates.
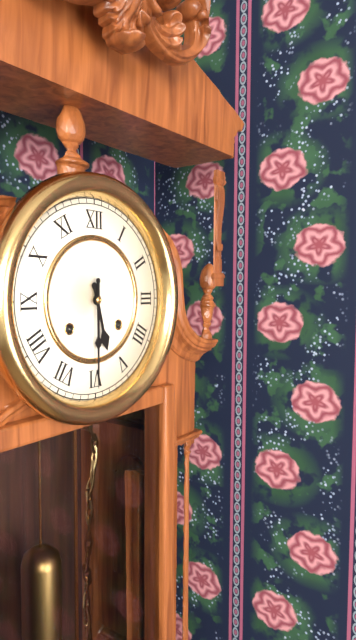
5:30
